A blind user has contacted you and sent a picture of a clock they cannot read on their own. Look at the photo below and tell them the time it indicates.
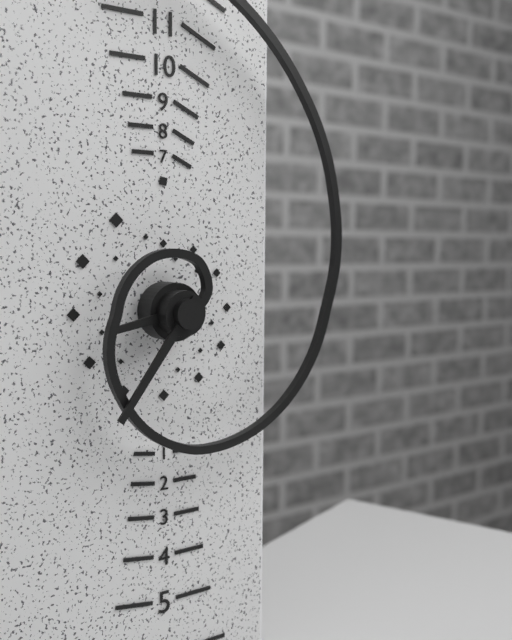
8:36
